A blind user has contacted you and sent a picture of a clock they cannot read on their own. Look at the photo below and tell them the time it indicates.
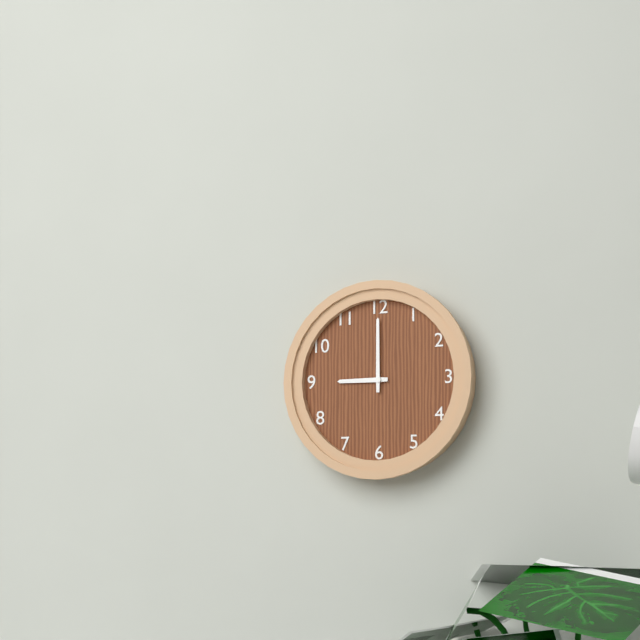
9:00
